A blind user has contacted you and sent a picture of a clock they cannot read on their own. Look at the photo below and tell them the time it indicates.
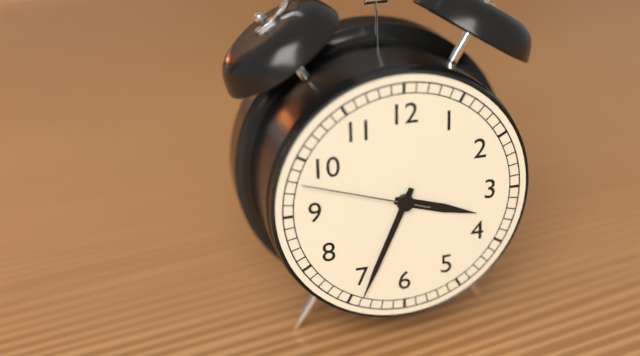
3:34:48
